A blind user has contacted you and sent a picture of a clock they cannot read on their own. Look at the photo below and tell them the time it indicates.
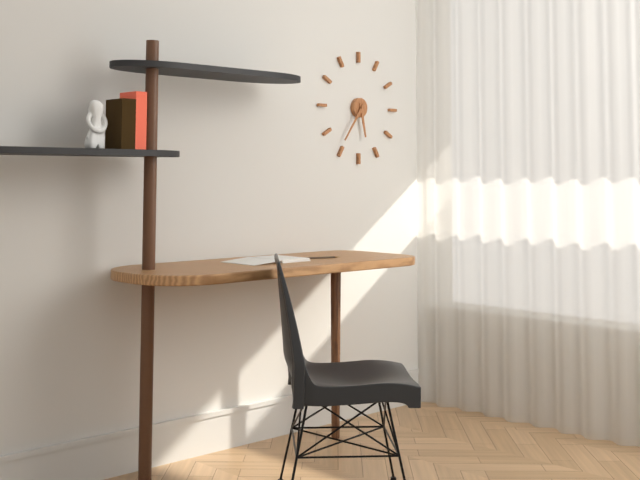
5:36
